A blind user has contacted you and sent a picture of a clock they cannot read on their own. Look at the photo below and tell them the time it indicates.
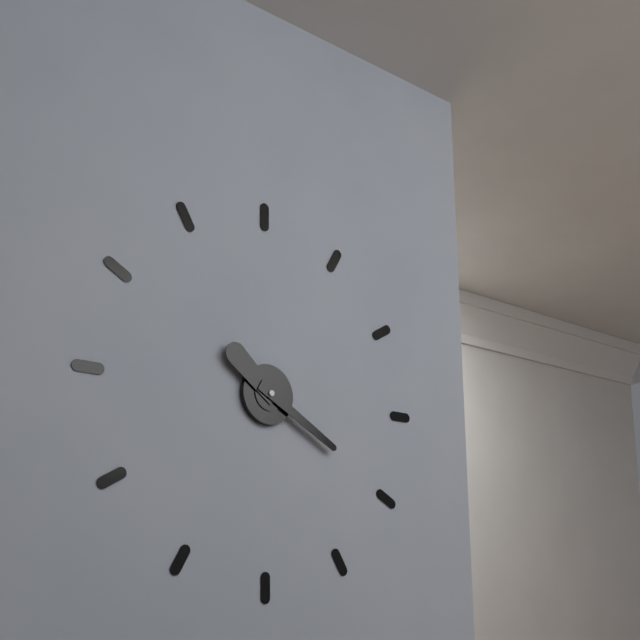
10:20
